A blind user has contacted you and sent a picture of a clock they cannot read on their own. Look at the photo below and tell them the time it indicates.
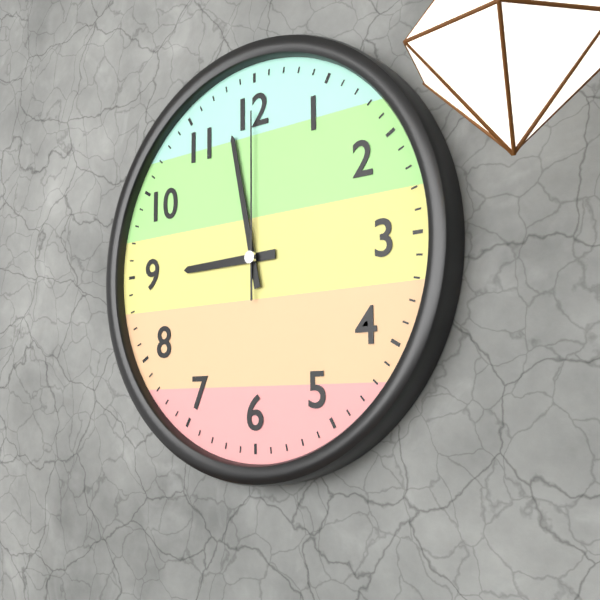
8:58:00
